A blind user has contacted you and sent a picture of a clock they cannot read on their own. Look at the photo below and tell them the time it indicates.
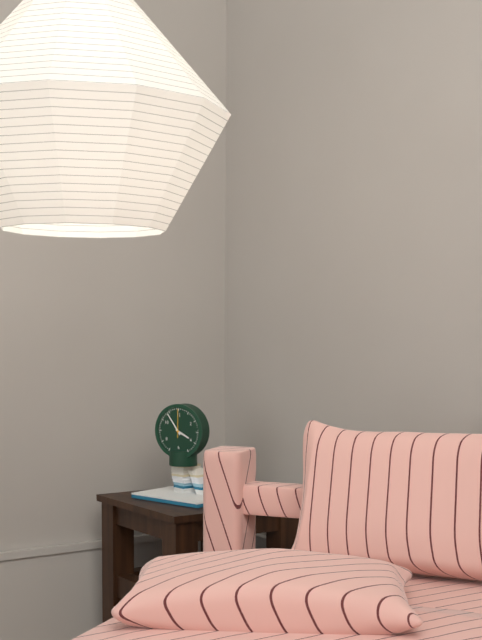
3:54
